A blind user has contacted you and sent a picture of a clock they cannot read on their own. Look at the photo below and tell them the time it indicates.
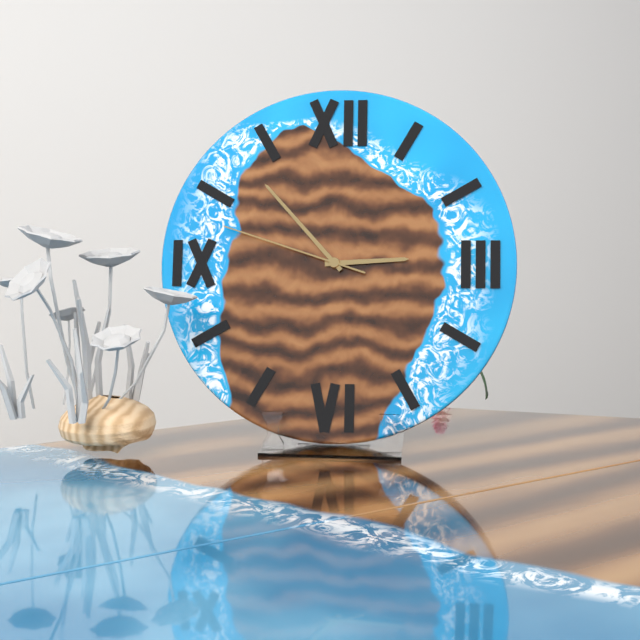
2:53:48
